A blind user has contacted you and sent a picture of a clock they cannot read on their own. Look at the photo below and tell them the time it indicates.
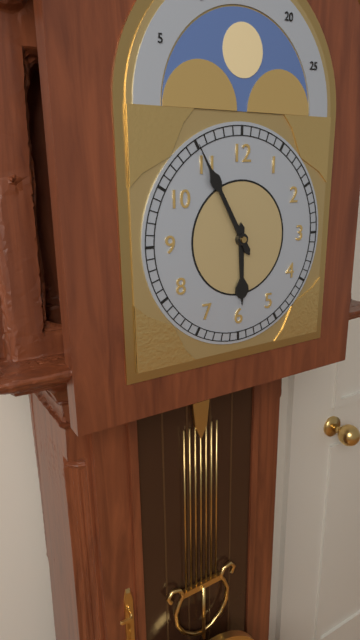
5:55
